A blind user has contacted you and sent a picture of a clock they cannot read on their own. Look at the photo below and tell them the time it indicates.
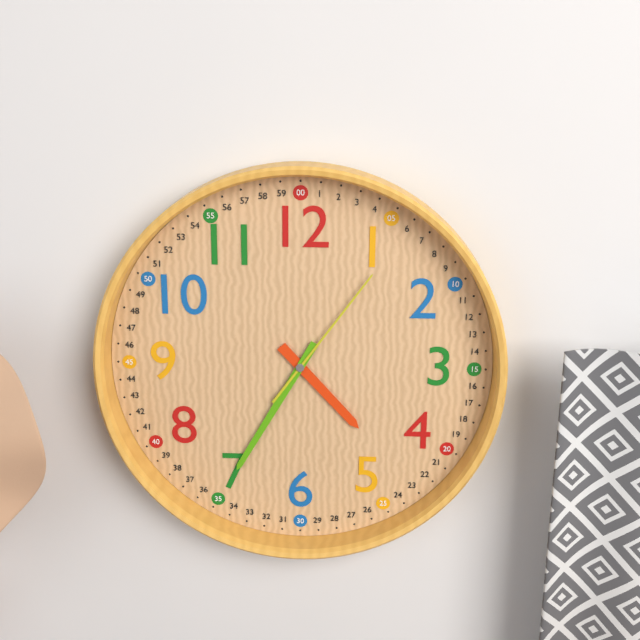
4:35:06
